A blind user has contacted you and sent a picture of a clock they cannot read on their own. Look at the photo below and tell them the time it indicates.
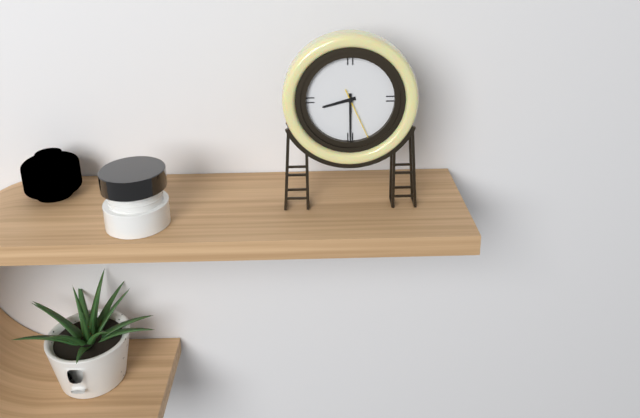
8:30:26
